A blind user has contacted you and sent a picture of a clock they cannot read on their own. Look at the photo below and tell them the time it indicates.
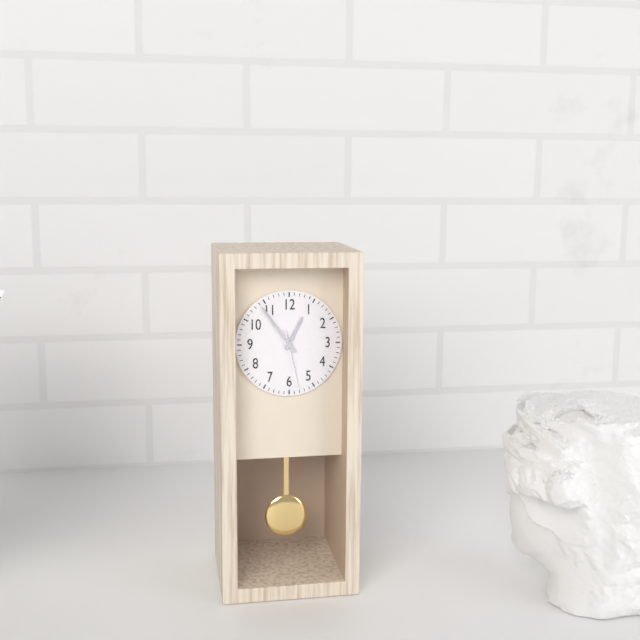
12:54:28
